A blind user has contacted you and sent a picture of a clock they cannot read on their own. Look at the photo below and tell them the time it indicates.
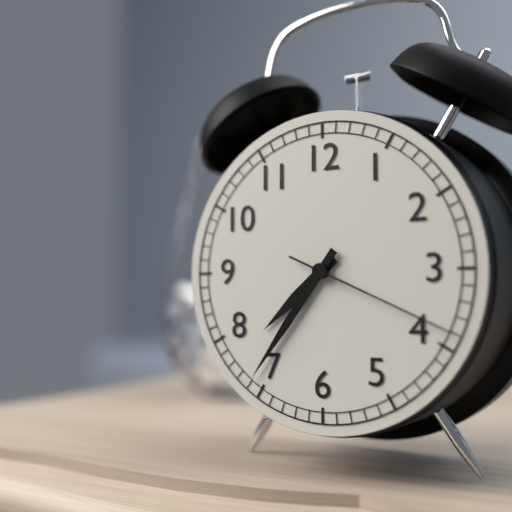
7:36:19
